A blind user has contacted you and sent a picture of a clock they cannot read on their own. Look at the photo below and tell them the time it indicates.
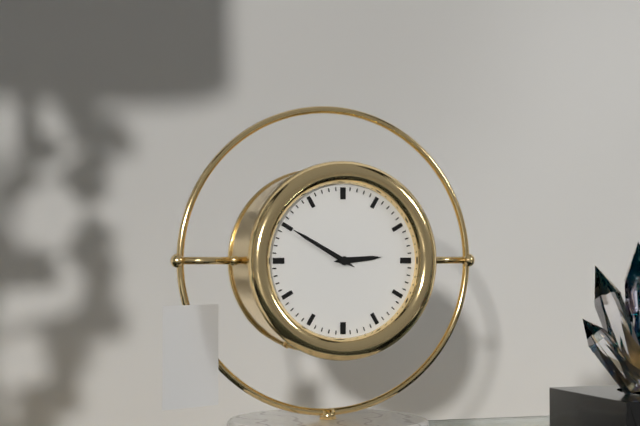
2:50
